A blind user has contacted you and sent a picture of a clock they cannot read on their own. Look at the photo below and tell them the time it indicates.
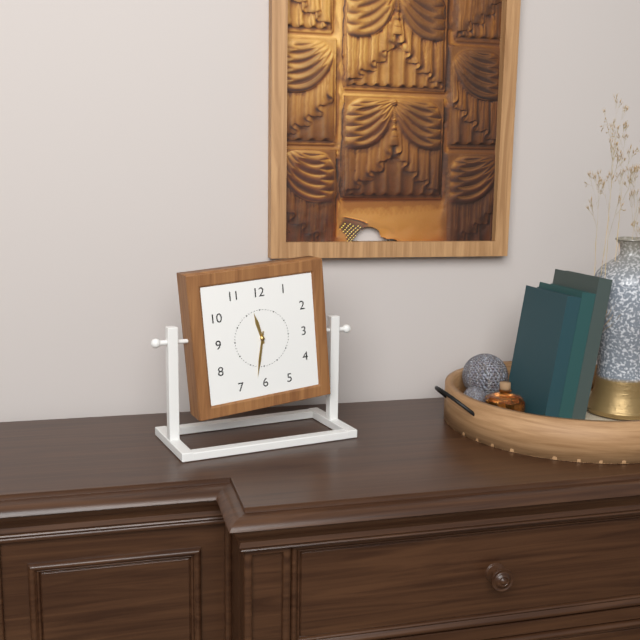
11:32
